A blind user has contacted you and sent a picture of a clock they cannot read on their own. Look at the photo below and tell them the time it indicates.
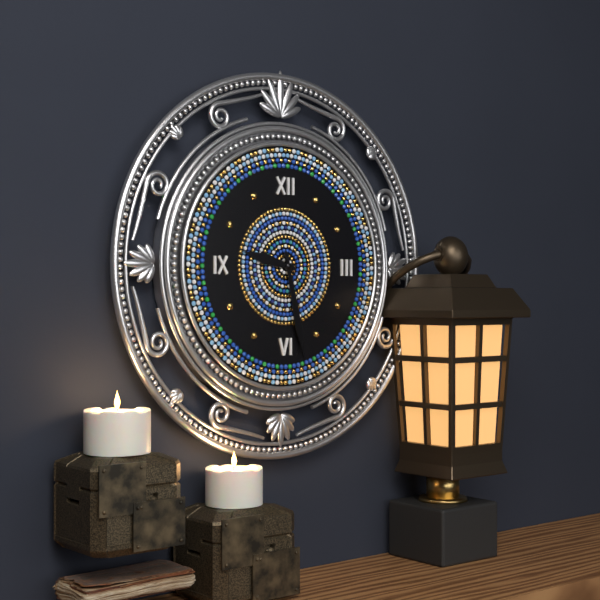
9:28
